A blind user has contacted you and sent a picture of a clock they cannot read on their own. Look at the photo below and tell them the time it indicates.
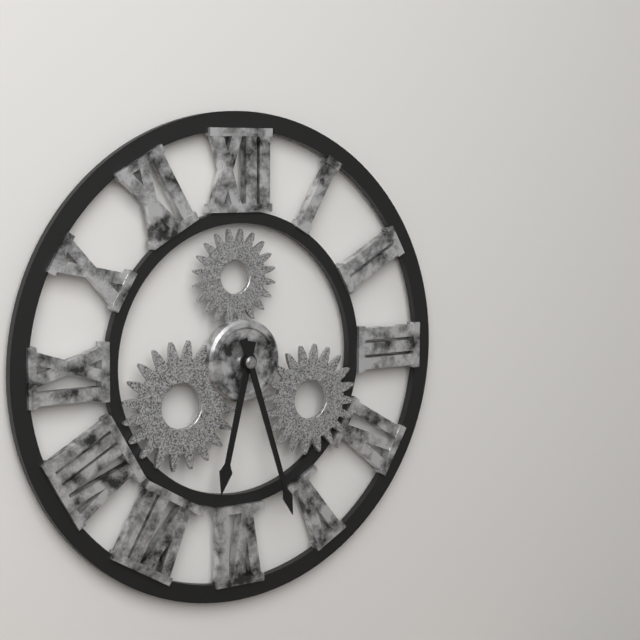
6:27
